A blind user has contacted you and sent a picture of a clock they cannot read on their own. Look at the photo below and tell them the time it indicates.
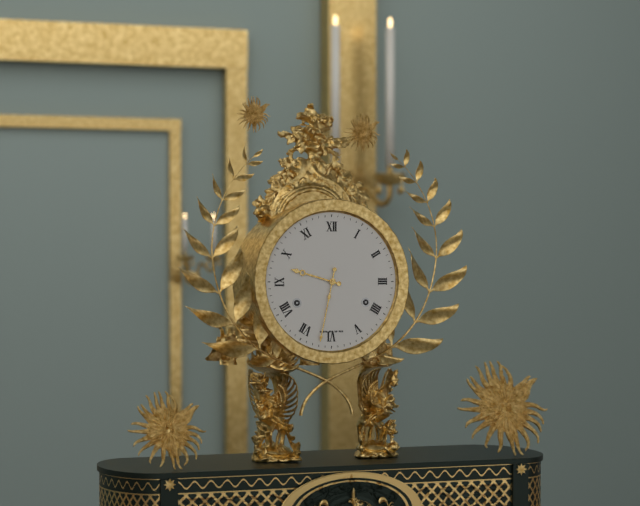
9:32
